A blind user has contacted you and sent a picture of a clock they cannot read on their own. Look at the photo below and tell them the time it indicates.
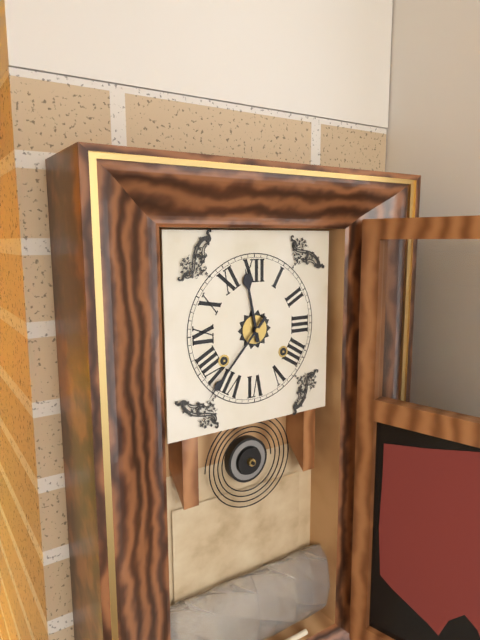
11:37
